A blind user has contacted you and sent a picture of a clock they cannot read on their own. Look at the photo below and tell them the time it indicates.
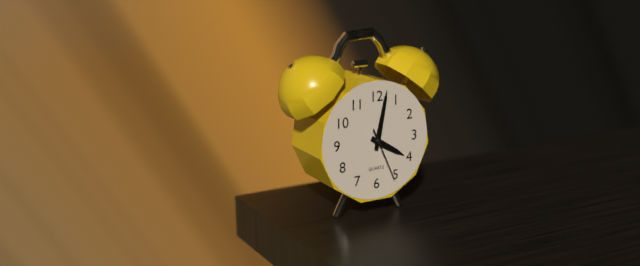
4:02:26
